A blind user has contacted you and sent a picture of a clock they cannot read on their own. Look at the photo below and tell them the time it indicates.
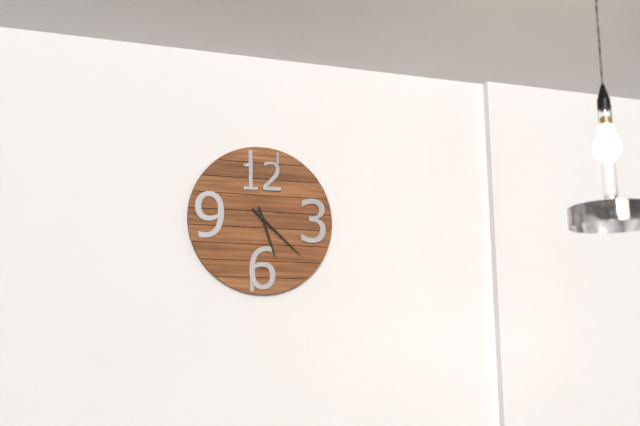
5:22
